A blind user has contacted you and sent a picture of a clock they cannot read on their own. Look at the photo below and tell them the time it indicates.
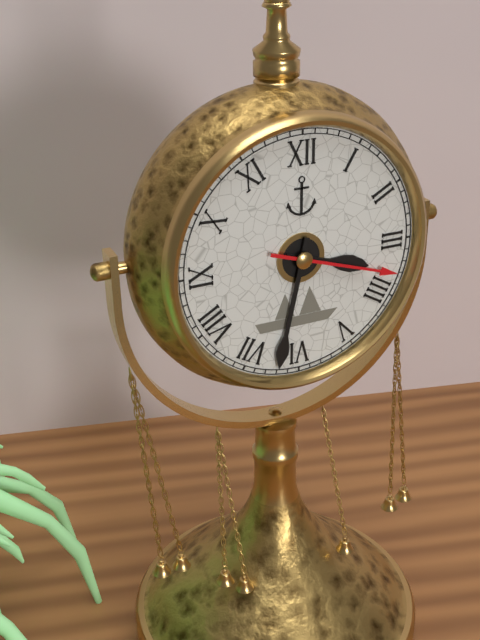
3:32:18
